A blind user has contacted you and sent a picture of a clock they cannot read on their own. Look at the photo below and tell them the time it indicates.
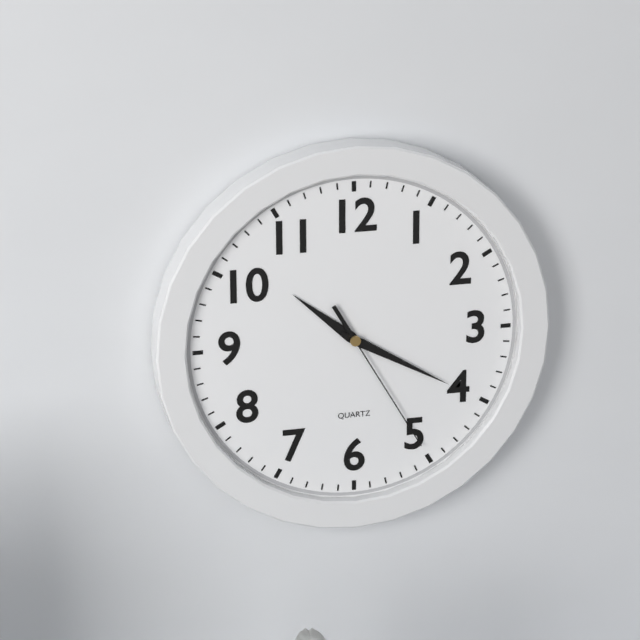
10:20:25
